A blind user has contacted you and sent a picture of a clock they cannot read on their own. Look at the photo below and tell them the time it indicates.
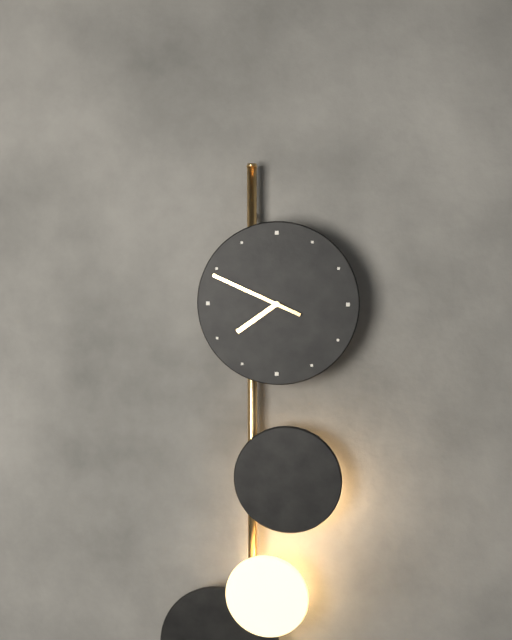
7:49
